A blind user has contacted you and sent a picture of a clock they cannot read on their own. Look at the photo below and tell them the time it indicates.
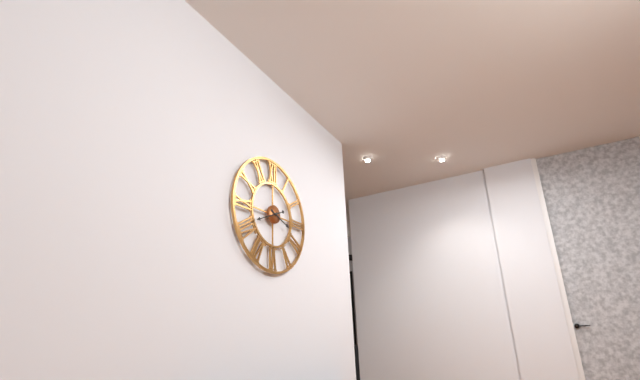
3:41
